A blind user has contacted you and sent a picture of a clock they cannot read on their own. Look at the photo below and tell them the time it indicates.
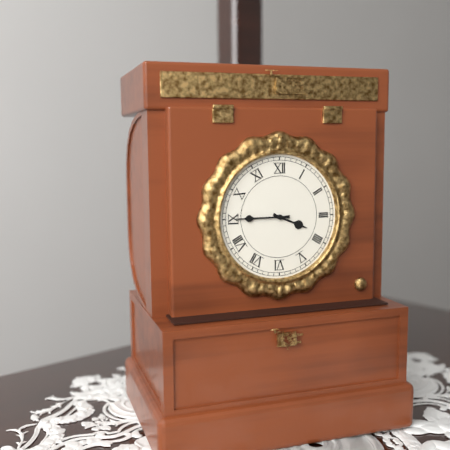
3:45
